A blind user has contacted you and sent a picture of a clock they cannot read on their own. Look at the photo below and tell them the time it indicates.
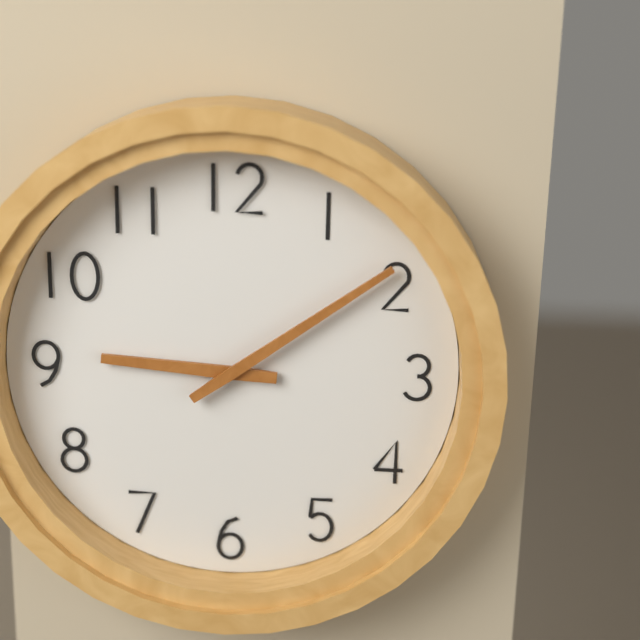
9:09
